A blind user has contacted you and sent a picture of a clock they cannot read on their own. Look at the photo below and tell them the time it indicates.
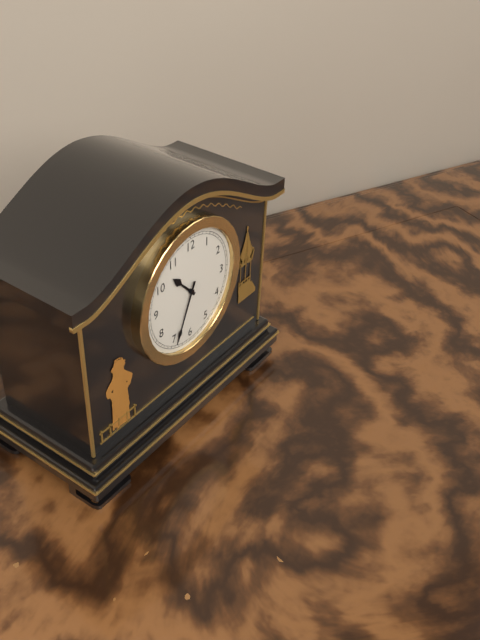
10:34
